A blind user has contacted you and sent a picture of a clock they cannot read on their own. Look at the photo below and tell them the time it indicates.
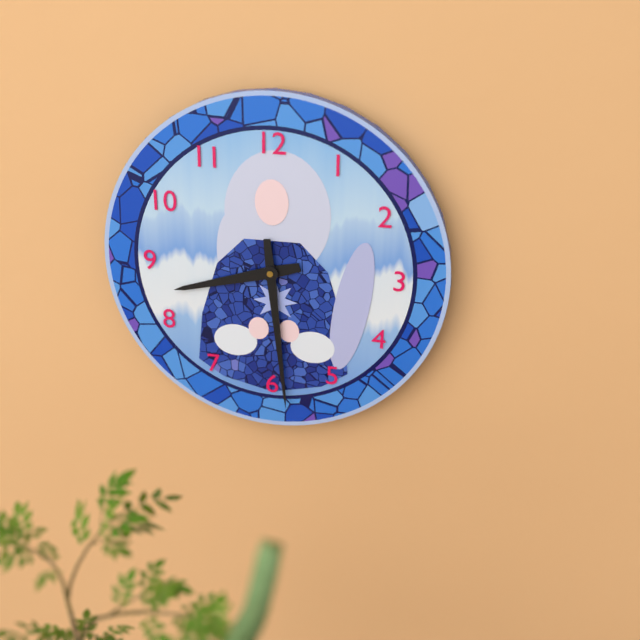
8:29
